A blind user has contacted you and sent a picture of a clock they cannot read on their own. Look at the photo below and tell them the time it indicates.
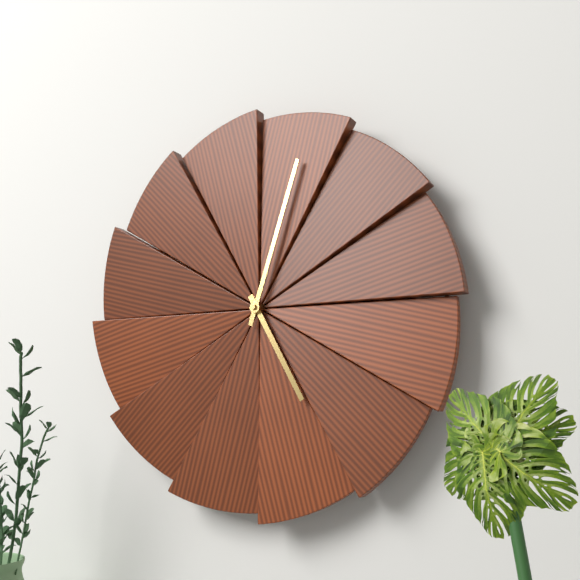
5:03
